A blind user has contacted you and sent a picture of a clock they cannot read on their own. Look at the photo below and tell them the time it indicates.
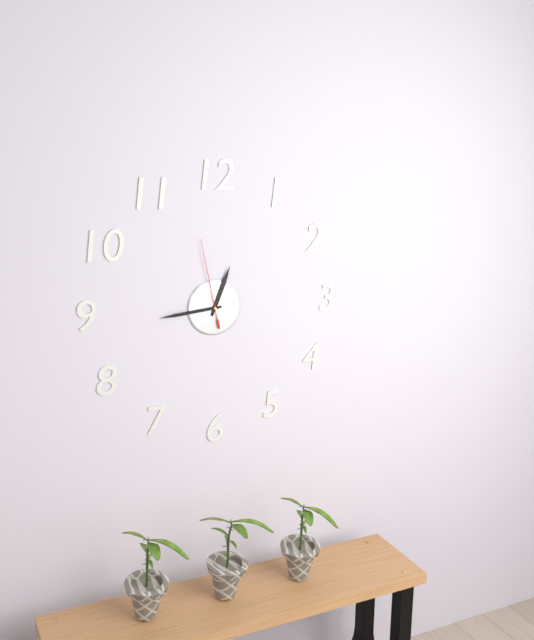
12:44:58
